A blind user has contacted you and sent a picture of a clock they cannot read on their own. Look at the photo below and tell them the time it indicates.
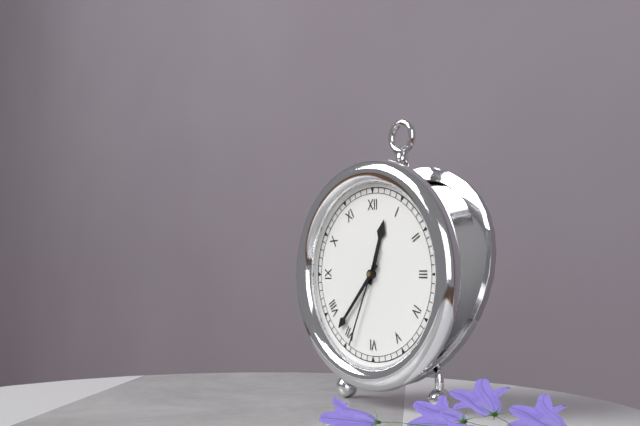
12:37:34
